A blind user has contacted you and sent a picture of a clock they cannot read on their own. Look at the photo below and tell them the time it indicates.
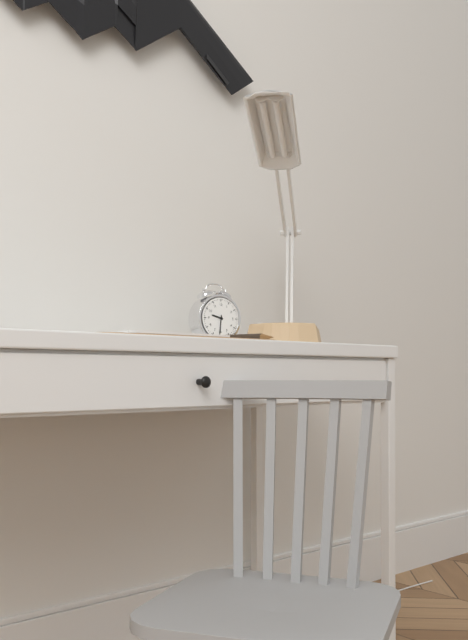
9:31
